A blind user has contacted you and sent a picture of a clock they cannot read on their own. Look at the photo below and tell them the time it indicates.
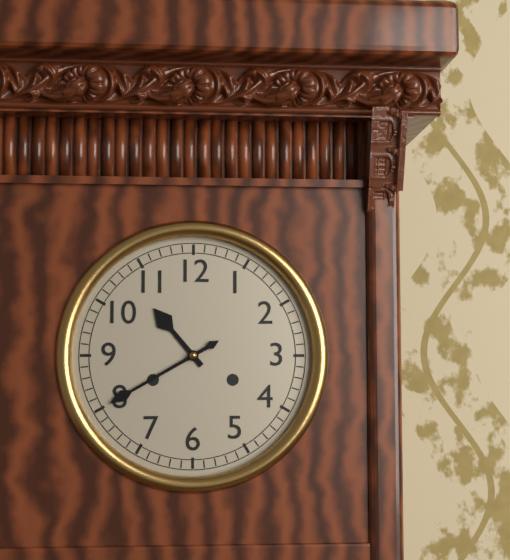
10:40
